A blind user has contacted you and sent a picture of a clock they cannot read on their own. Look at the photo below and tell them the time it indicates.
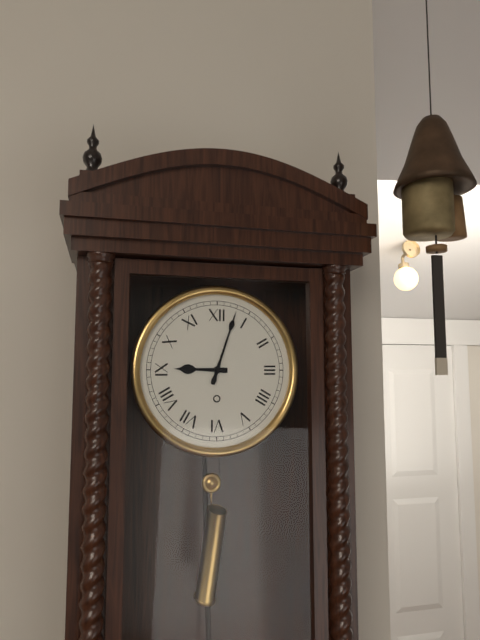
9:03
